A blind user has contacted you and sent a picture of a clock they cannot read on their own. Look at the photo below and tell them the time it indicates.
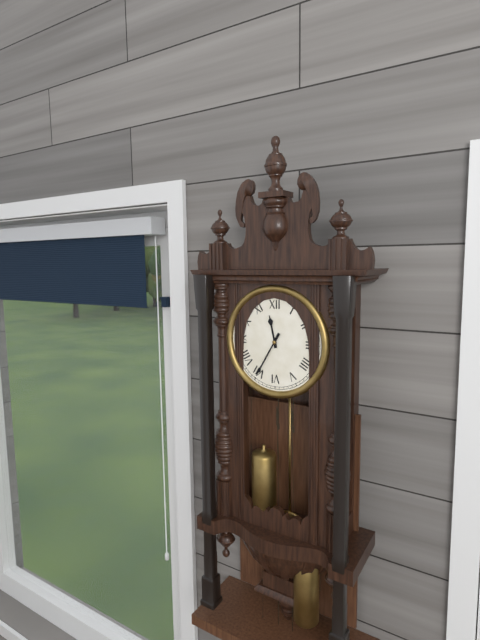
11:35
